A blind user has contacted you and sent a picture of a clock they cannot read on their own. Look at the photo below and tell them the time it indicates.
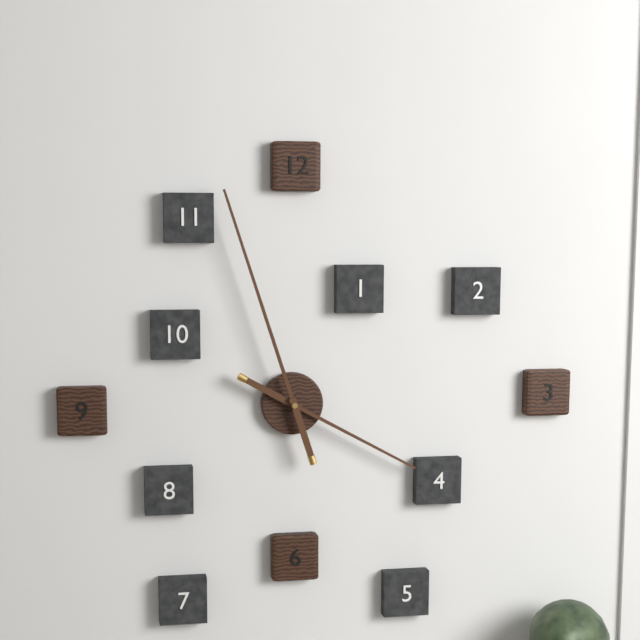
3:57
